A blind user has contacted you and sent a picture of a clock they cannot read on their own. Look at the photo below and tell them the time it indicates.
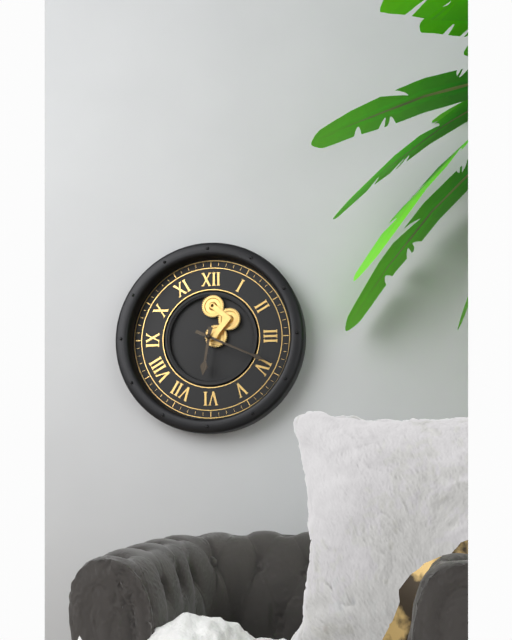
6:19
